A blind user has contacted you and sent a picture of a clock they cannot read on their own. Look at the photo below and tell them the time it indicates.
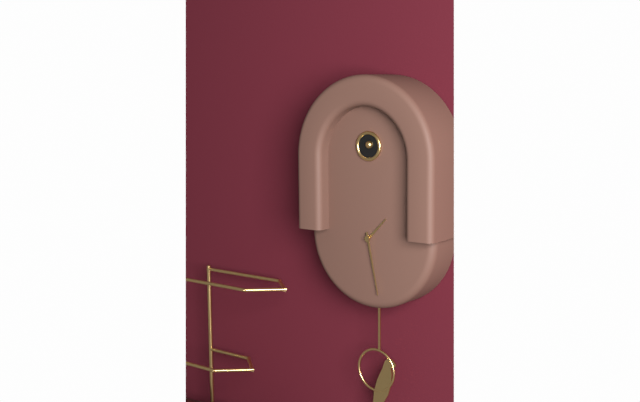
1:28
